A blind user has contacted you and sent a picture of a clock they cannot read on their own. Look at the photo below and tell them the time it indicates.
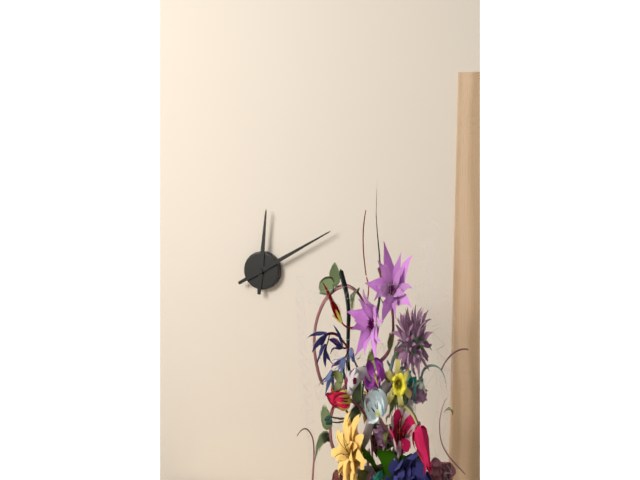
12:10
